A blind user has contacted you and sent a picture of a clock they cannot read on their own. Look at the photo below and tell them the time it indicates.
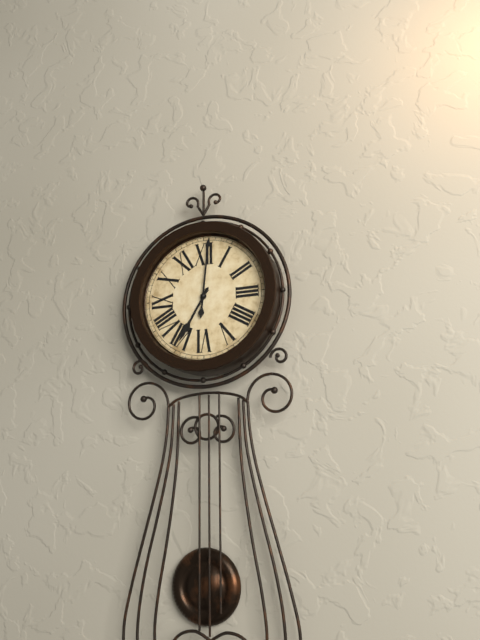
7:01
